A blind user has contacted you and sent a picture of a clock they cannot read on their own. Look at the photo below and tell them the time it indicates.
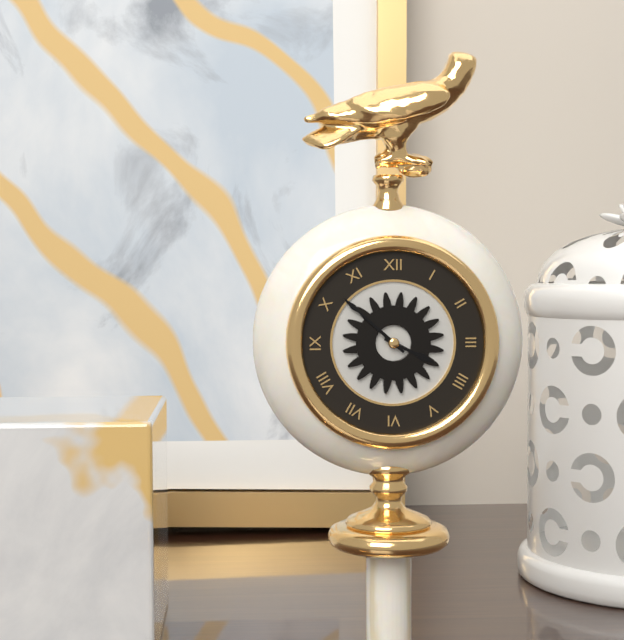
3:52
